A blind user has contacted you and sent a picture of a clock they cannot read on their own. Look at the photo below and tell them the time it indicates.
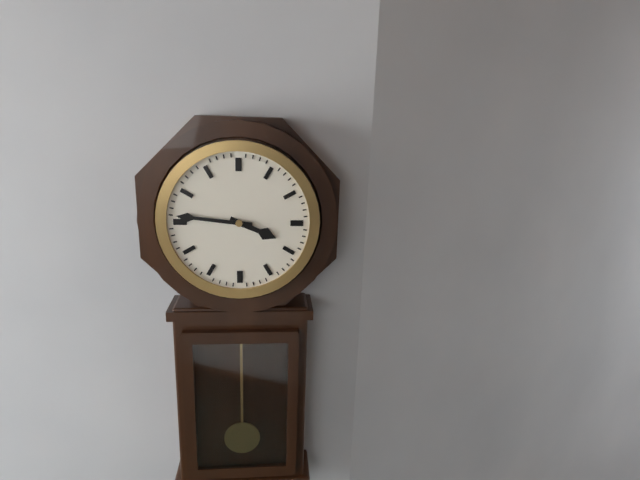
3:46
